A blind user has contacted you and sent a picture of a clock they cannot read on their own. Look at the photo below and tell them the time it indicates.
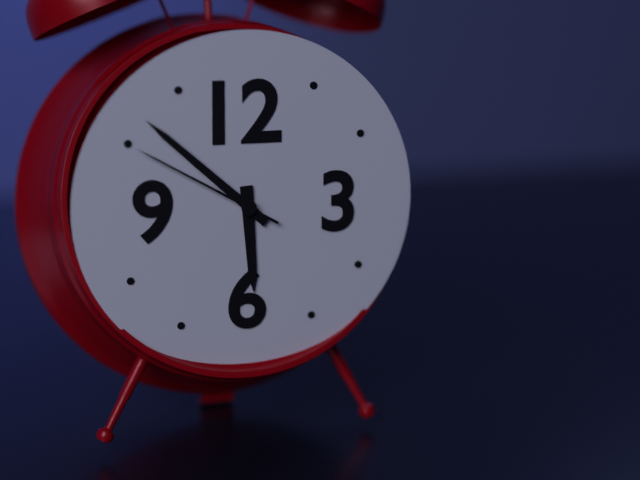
5:52:50
